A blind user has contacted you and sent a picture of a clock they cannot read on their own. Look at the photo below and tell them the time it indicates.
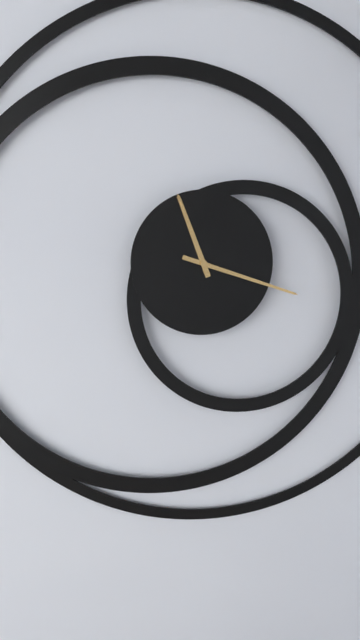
11:18
